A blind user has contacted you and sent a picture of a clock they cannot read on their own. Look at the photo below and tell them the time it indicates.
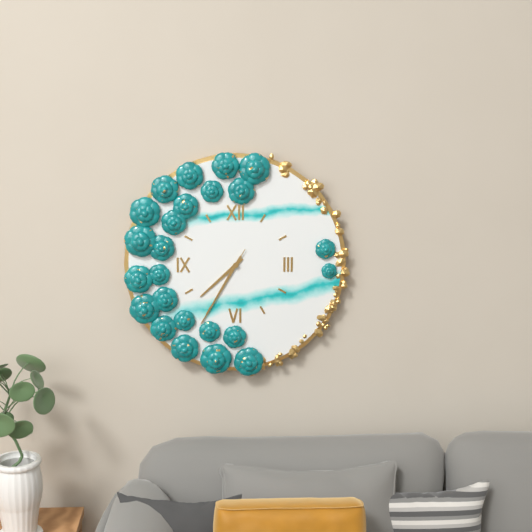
7:35:35
